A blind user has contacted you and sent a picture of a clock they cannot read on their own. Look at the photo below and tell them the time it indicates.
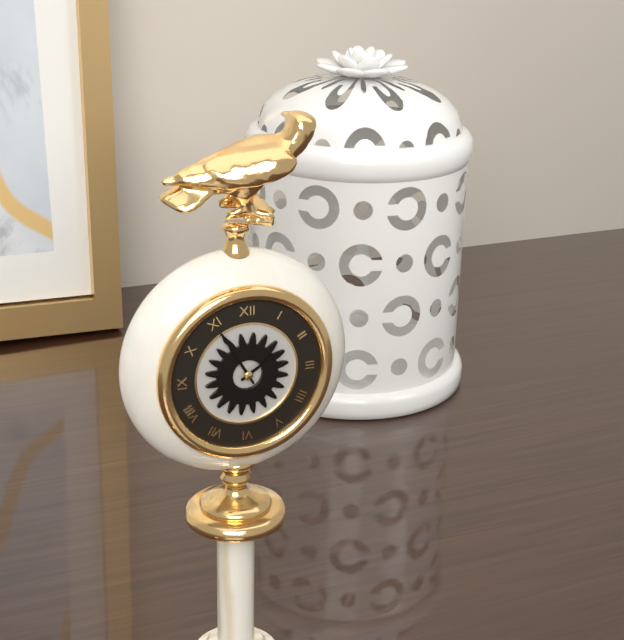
1:55
